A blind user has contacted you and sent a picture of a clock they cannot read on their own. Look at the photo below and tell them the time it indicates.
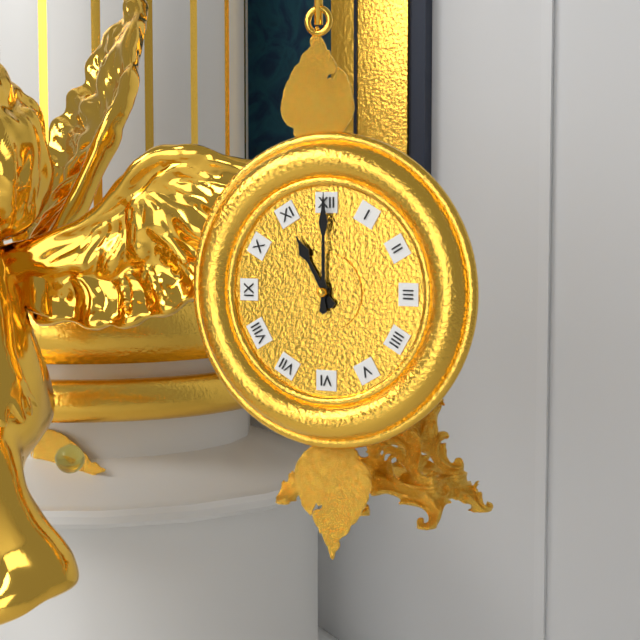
11:00
